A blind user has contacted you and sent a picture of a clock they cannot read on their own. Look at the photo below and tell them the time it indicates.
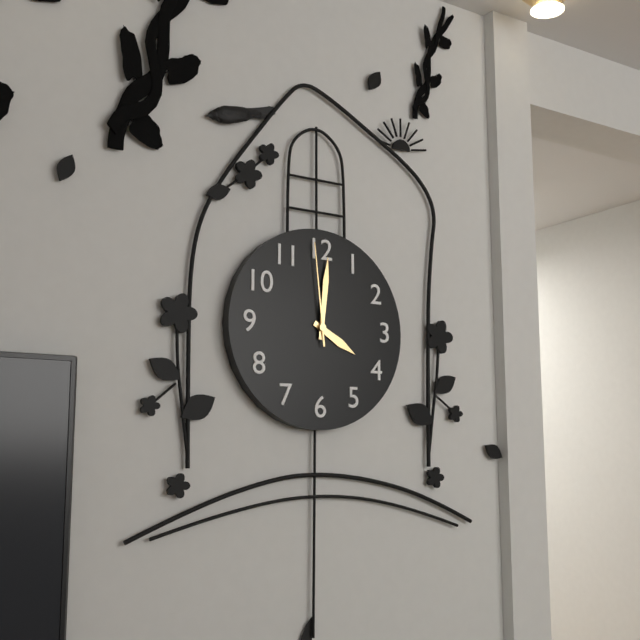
4:01:59
